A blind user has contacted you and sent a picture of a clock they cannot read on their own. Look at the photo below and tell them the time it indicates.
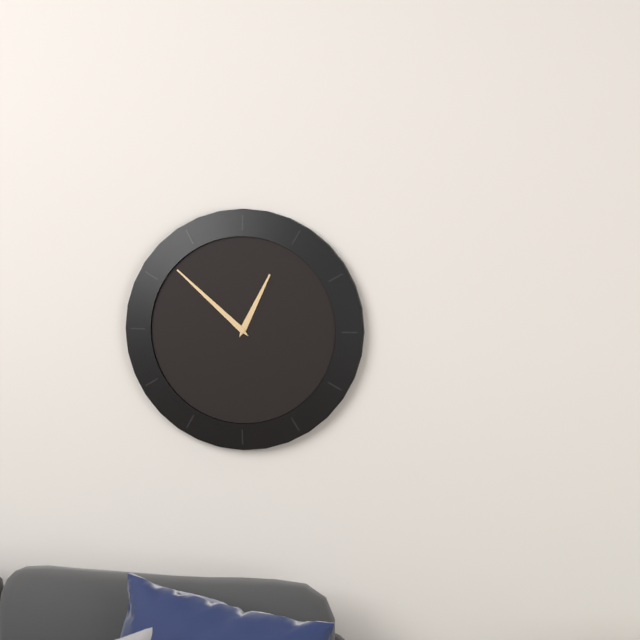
12:52
